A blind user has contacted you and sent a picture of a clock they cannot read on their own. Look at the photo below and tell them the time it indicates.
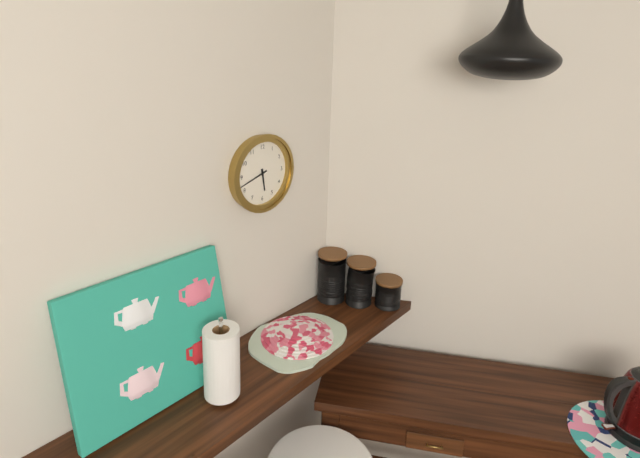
5:42
